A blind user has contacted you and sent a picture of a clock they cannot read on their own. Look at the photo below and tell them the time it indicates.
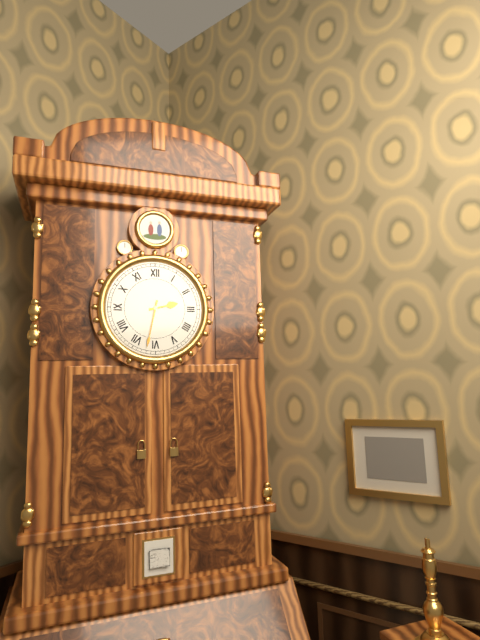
2:32
